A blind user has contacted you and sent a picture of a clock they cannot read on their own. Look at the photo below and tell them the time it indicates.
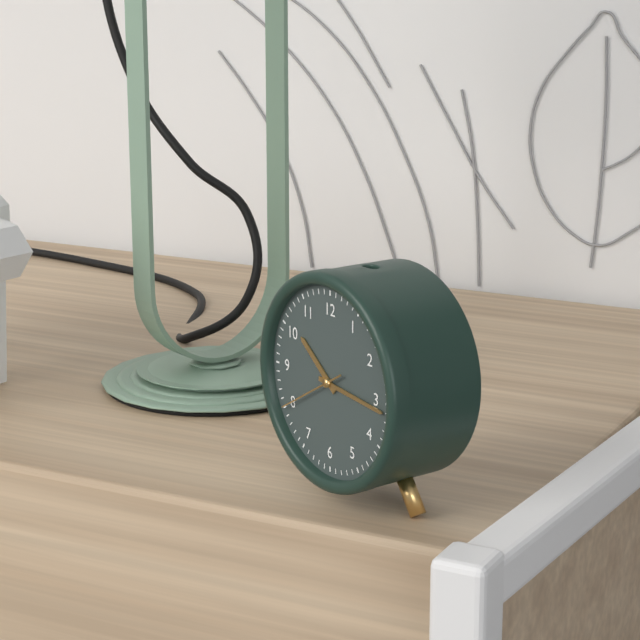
10:16:40
